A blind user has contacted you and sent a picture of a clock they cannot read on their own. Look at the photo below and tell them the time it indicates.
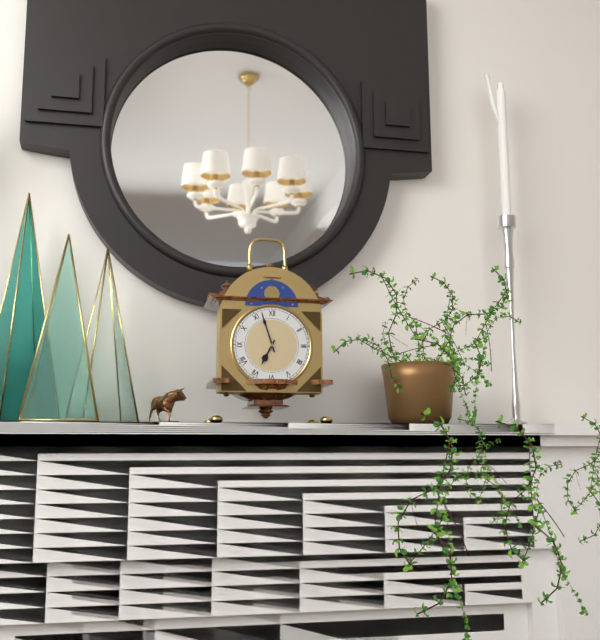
6:57
